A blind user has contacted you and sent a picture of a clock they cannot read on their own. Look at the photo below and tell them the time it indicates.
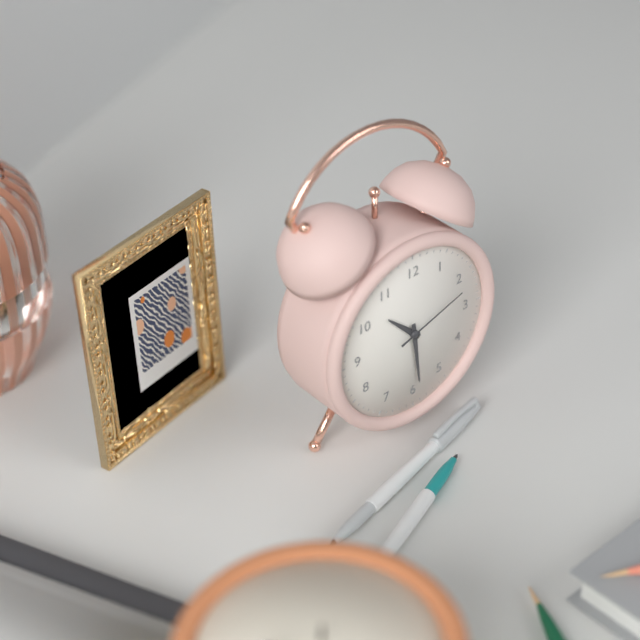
10:29:12
